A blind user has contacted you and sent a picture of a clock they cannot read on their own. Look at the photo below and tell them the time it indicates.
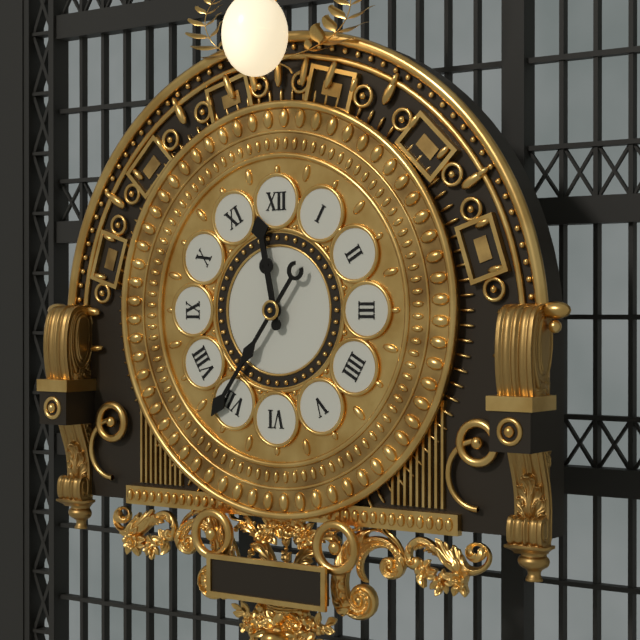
11:36
